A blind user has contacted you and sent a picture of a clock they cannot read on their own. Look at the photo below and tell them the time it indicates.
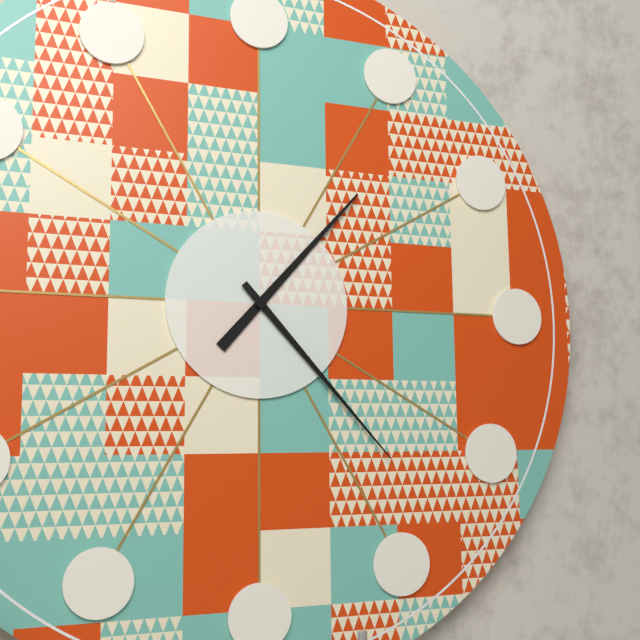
1:23
